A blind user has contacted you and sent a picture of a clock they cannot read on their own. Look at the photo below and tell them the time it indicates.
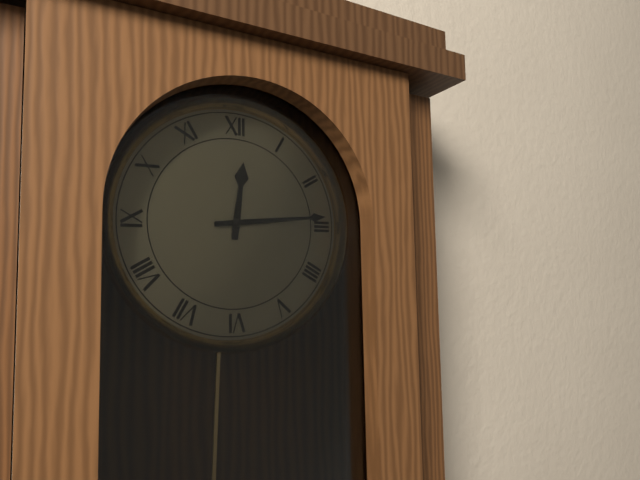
12:14
